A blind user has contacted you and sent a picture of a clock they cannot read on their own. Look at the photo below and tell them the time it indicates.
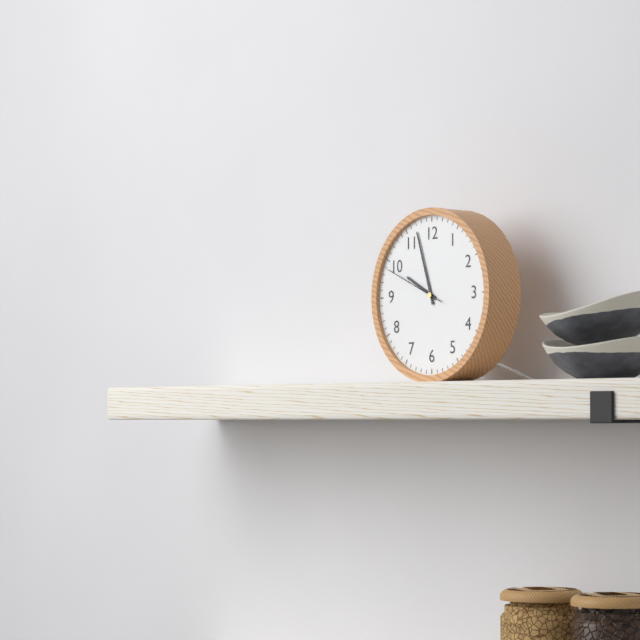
9:57:49
